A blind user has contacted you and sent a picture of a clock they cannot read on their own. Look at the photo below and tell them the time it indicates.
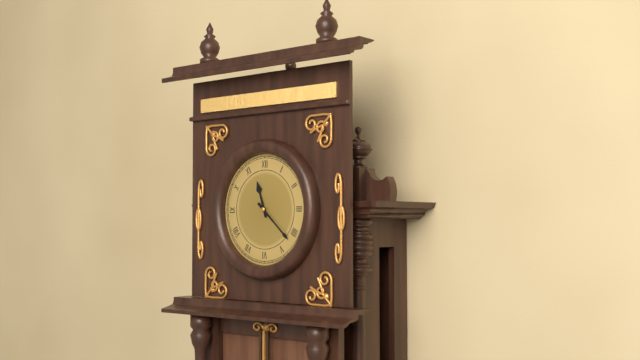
11:22
